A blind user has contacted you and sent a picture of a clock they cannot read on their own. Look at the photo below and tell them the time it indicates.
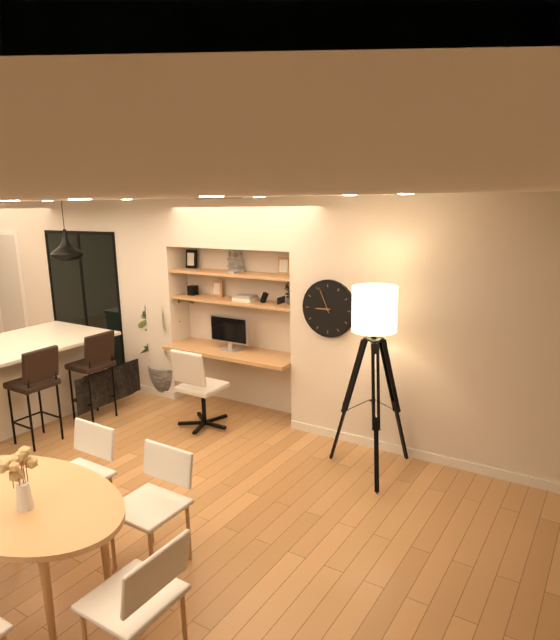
8:56
